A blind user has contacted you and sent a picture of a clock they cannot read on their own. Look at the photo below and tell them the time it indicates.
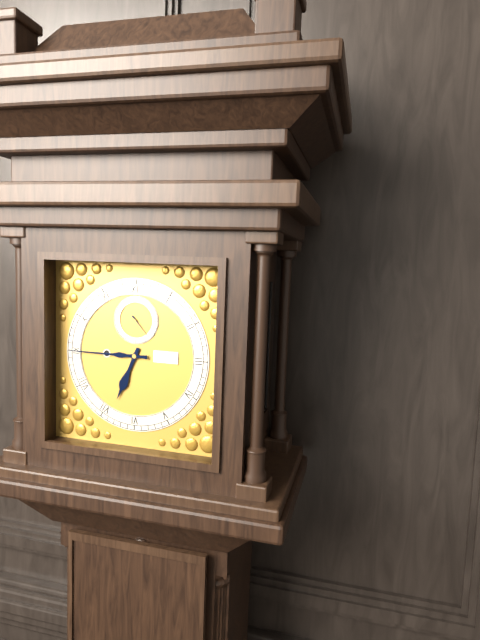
6:45
